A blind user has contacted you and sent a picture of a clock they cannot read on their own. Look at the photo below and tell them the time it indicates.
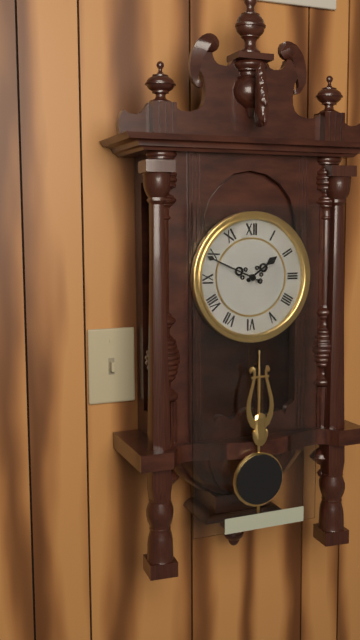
1:49
